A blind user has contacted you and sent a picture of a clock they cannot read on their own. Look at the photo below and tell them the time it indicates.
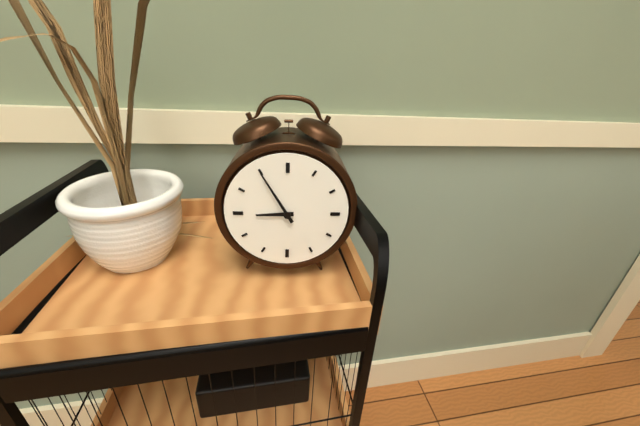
8:55
